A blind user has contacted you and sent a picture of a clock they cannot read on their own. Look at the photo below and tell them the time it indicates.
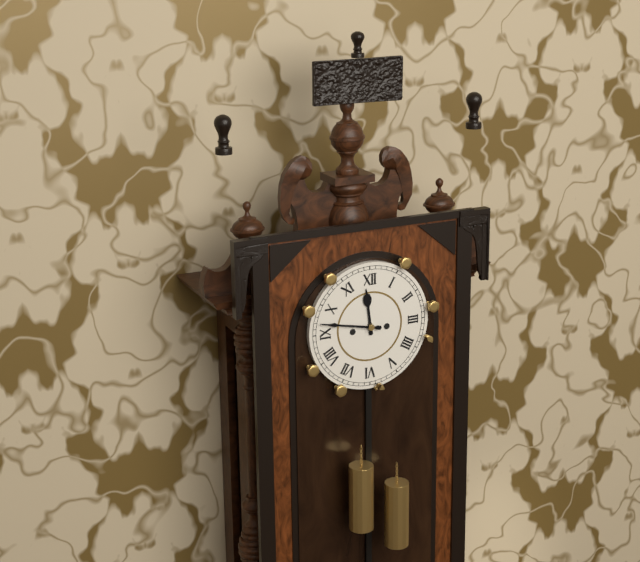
11:47
